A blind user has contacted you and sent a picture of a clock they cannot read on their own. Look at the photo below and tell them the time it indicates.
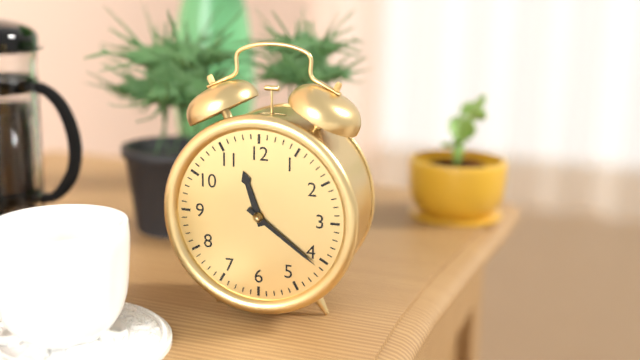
11:21
